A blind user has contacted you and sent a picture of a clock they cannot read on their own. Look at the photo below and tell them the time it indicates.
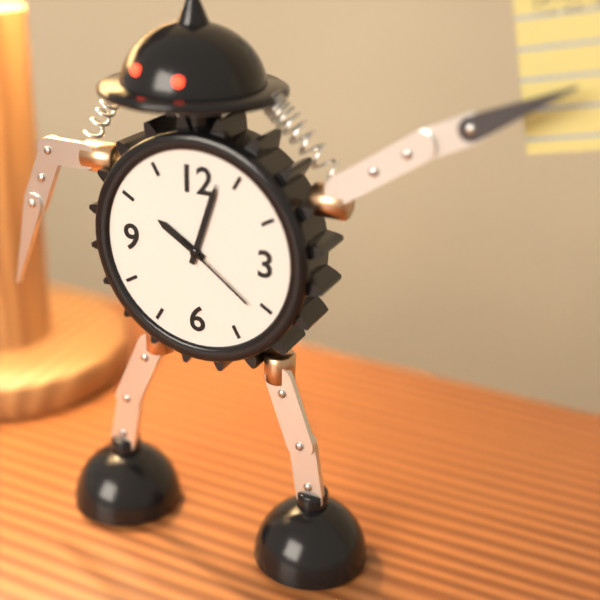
10:03:21
